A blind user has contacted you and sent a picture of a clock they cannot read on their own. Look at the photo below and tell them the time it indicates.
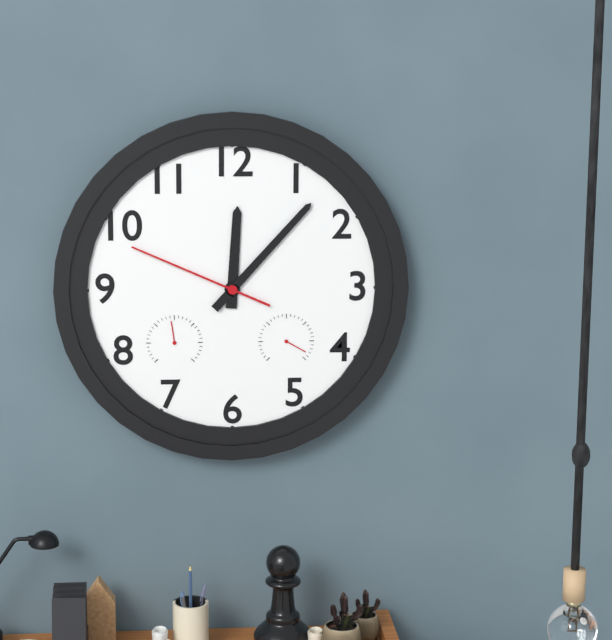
12:07:49
